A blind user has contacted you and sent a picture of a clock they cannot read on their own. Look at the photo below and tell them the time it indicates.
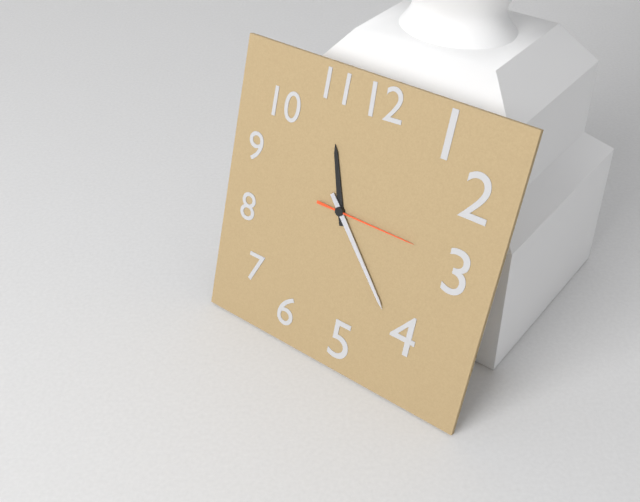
11:23:15
